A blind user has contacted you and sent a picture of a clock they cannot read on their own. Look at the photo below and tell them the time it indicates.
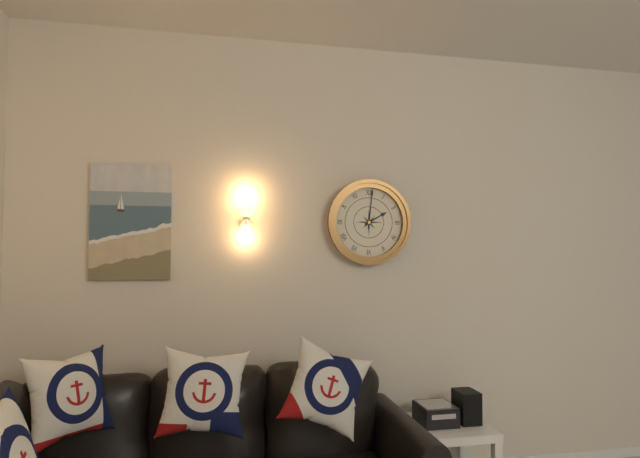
2:01
